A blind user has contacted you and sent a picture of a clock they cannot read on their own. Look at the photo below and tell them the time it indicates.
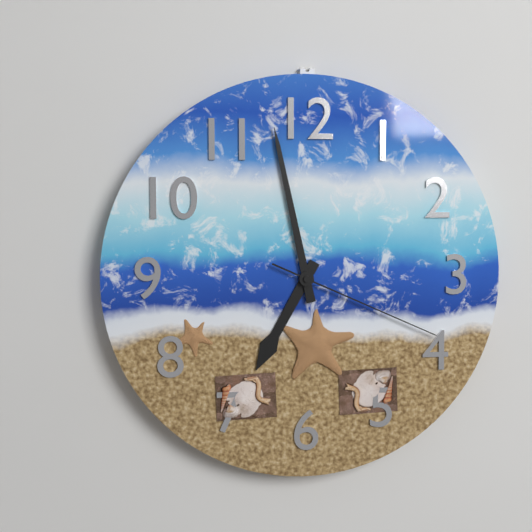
6:58:19
